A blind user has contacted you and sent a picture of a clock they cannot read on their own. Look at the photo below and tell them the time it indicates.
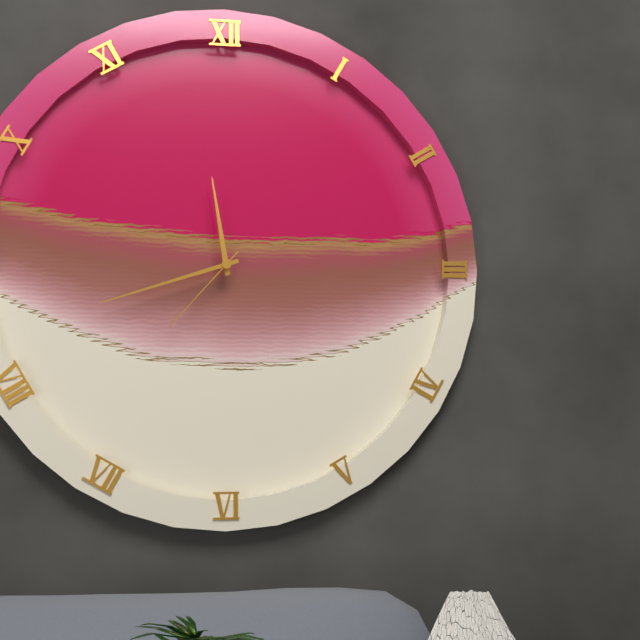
11:42:37
